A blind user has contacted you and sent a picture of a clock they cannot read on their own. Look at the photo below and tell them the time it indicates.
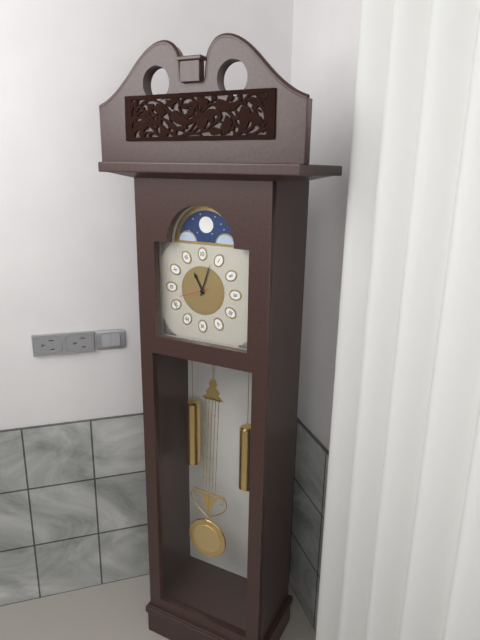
11:03
